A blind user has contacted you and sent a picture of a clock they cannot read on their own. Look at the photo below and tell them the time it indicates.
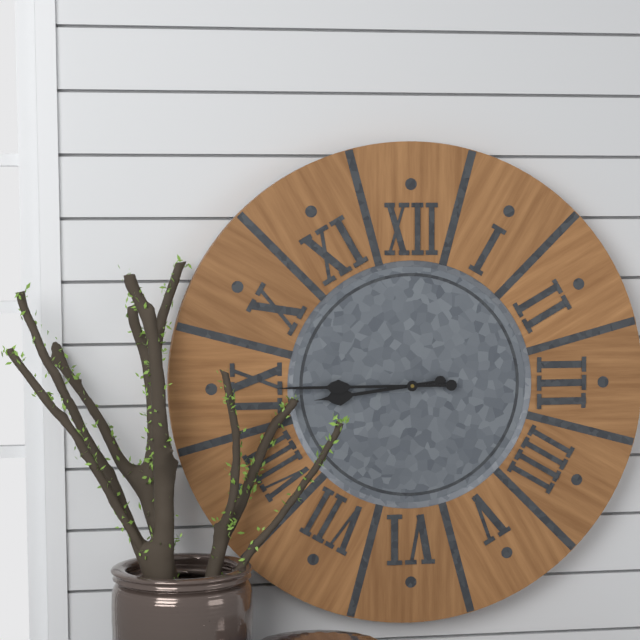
8:45
